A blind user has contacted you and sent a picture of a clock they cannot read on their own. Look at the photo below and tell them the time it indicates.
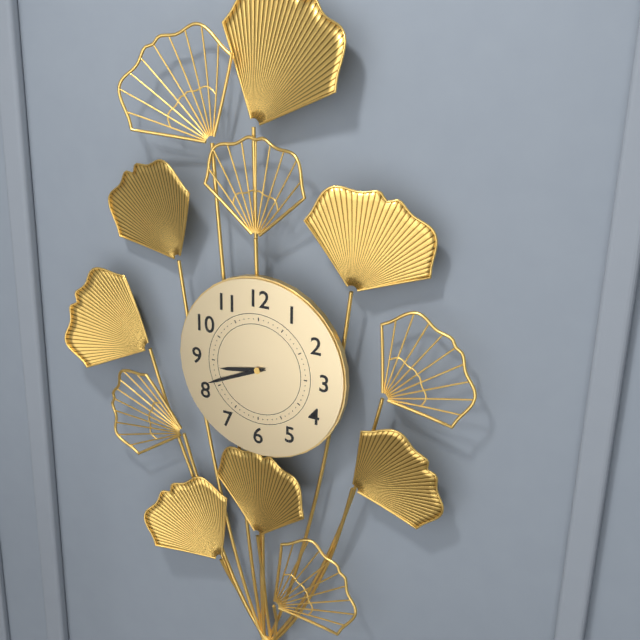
8:41
